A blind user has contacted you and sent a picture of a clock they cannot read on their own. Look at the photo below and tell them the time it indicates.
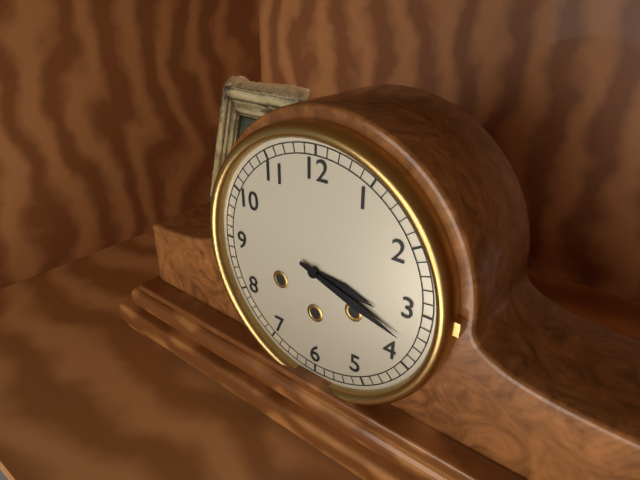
3:18
